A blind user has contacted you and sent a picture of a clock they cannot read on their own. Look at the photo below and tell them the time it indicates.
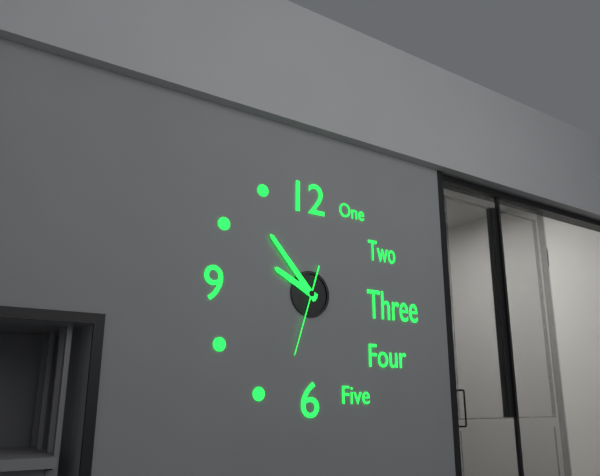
9:53:33
